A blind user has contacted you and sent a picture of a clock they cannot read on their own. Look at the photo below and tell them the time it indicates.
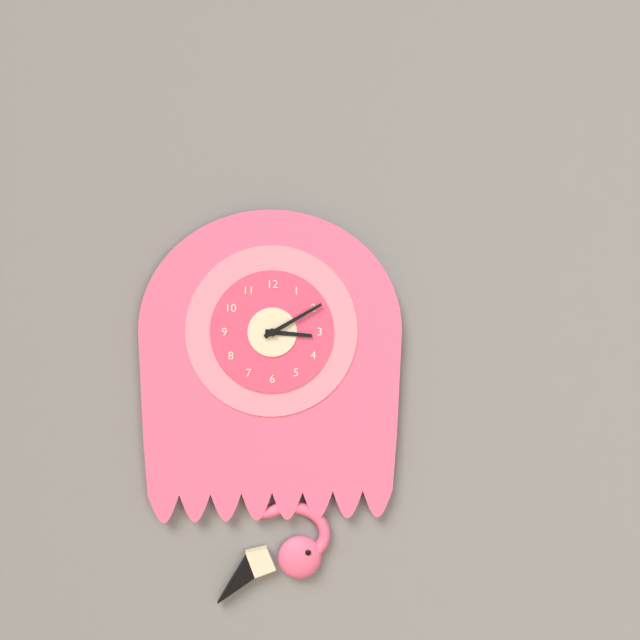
3:10
